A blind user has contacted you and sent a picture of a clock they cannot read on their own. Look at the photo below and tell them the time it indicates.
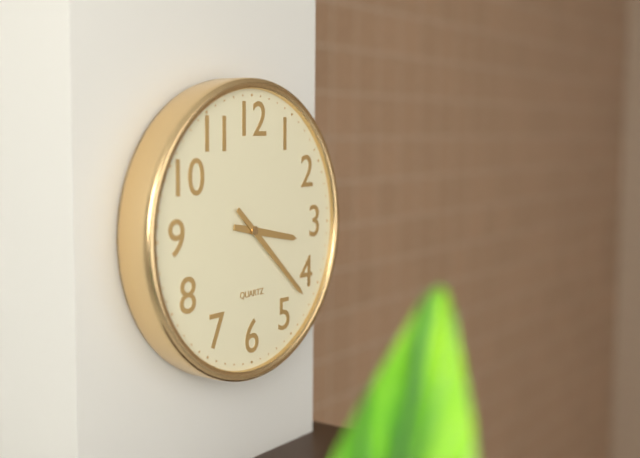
3:22
